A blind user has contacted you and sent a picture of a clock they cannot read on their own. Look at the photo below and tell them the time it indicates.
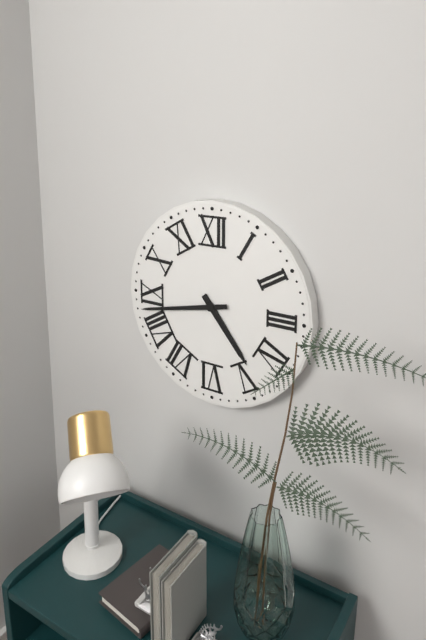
4:43
